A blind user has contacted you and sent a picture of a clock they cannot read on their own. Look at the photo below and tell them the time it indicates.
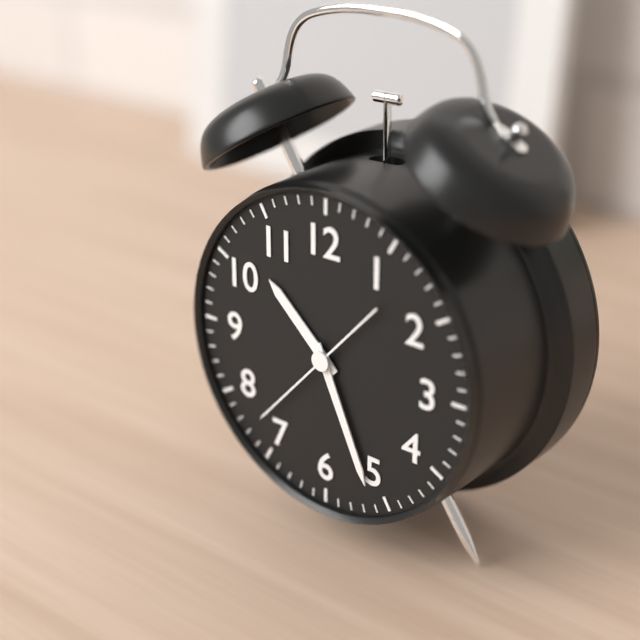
10:26:37
